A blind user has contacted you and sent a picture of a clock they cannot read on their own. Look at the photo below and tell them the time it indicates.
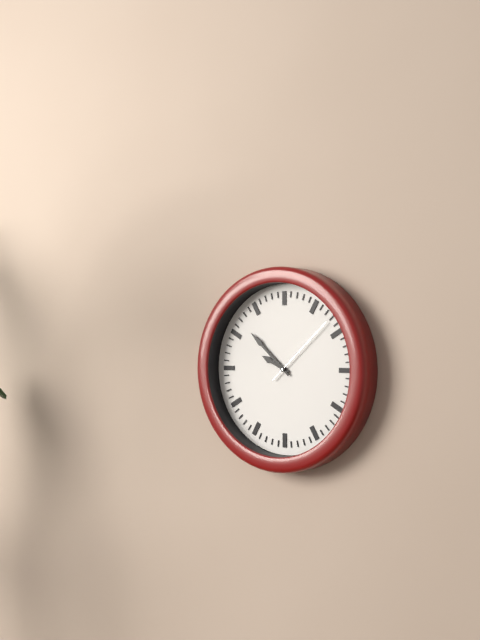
9:52:08
